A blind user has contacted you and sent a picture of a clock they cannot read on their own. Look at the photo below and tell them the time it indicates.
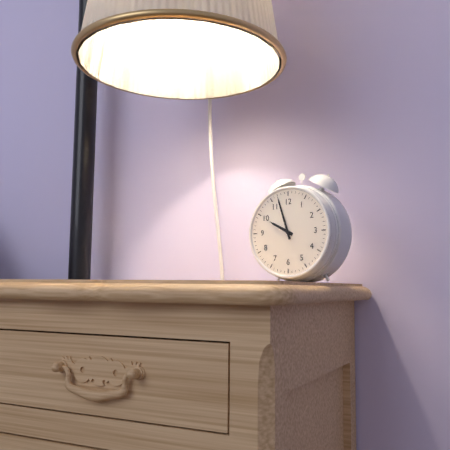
9:57
